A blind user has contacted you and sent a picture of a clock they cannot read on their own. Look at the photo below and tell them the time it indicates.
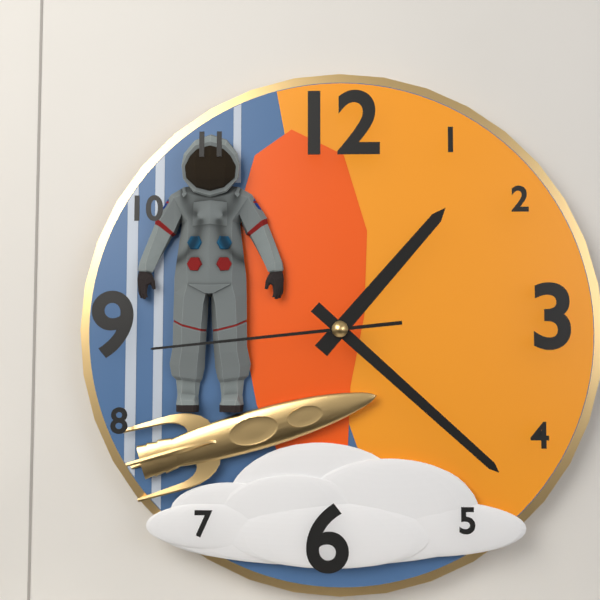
1:22:44
